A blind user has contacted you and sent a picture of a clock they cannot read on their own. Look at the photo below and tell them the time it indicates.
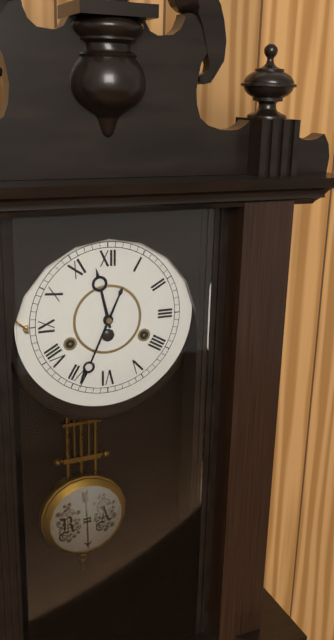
11:34
